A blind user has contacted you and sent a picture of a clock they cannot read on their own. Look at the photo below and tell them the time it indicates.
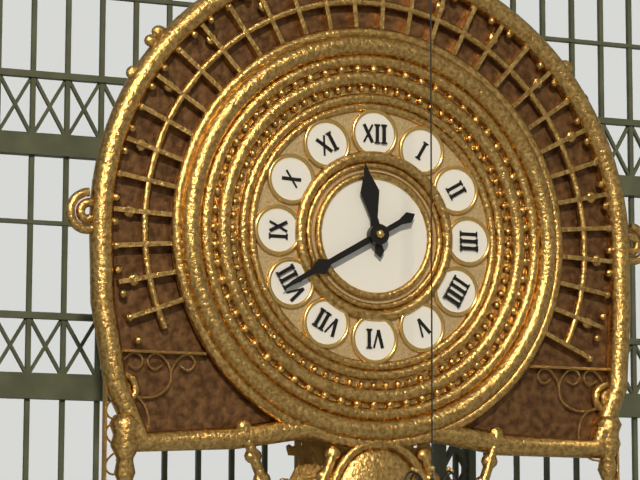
11:40
